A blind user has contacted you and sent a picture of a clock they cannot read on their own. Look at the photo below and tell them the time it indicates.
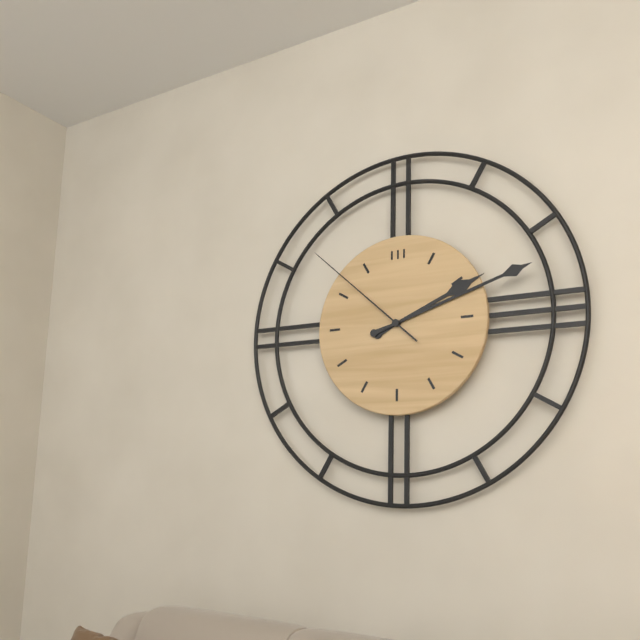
2:12:52
